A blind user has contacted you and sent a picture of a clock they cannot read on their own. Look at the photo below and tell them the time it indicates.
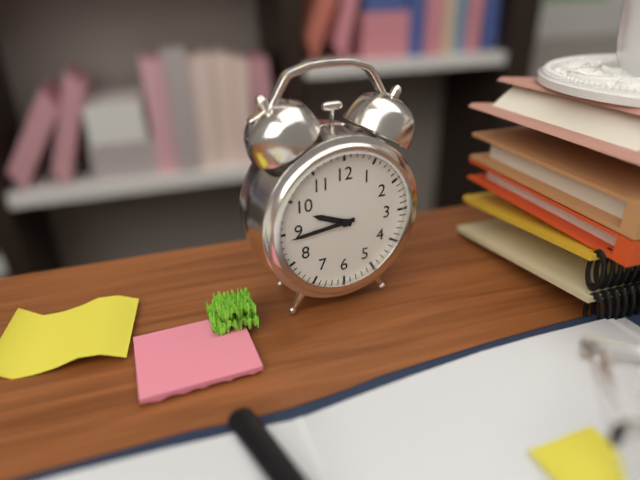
9:44
